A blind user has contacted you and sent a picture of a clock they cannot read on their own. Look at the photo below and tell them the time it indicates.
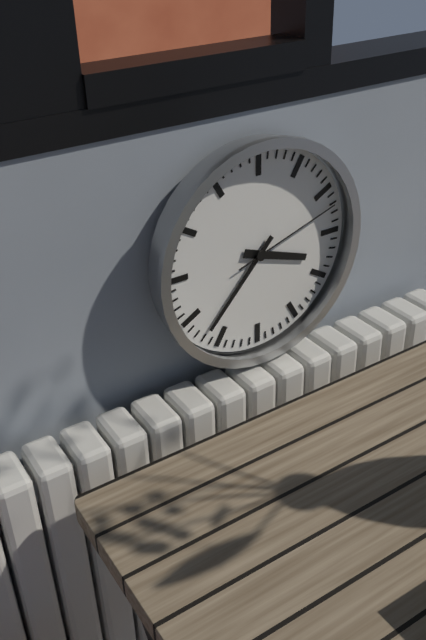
3:37:12
